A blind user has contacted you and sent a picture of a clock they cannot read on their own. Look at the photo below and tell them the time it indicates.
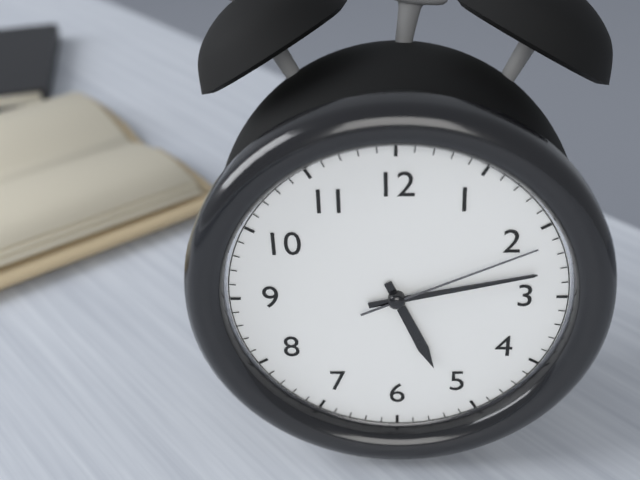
5:13:11
